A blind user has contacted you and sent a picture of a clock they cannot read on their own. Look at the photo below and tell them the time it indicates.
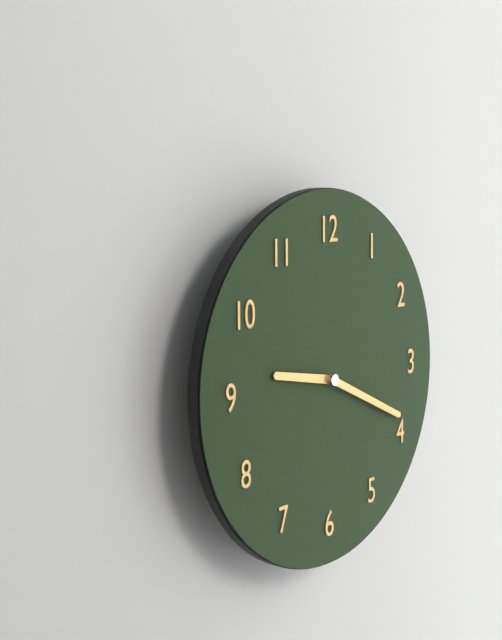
9:19
